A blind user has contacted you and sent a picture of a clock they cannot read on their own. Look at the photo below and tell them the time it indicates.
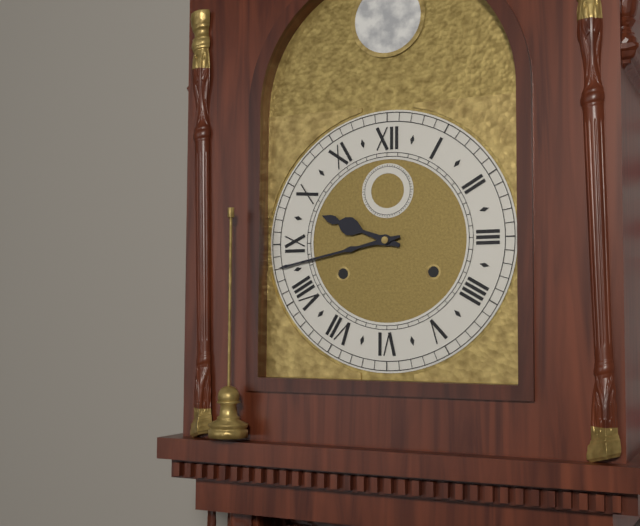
9:43
